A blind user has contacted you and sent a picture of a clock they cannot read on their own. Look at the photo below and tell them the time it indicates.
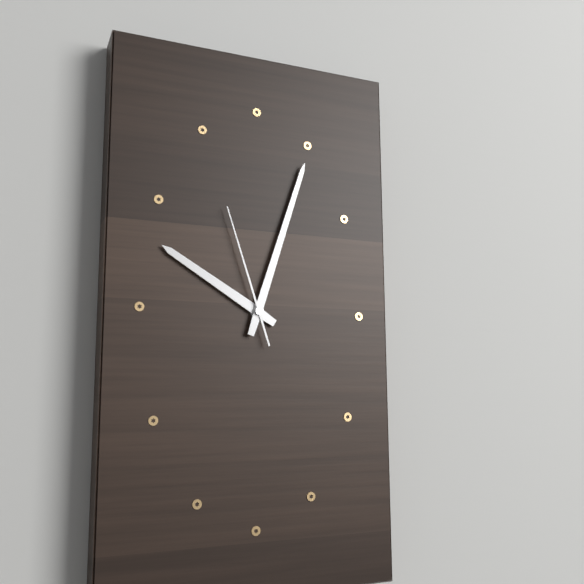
10:03:57
